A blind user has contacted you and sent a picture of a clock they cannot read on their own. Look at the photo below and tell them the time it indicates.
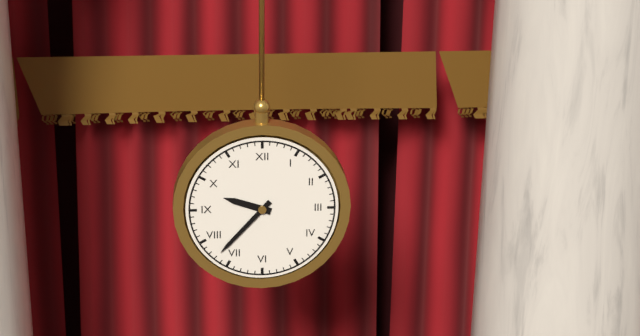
9:37
